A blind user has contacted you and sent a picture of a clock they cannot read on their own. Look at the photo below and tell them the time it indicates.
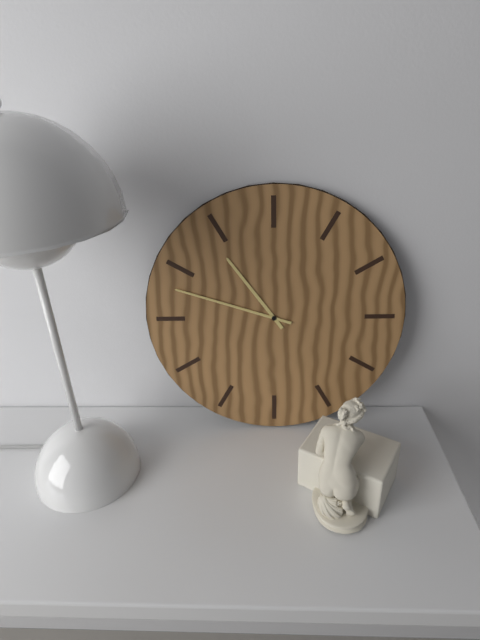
10:48
